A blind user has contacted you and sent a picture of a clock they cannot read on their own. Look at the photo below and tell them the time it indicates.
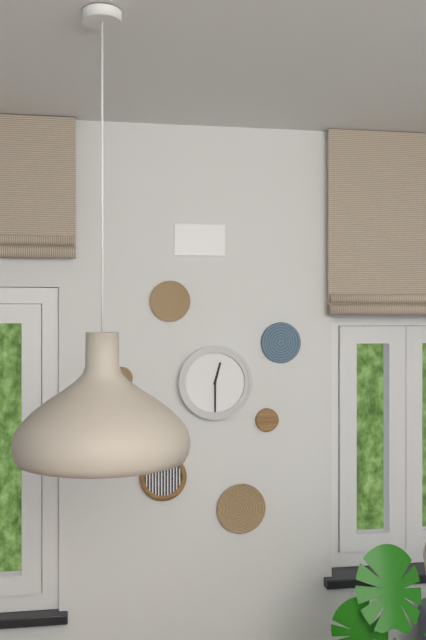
12:30
